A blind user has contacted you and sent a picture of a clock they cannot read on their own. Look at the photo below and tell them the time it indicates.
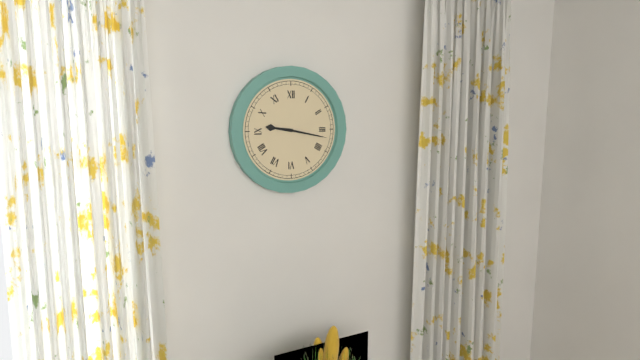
9:17
